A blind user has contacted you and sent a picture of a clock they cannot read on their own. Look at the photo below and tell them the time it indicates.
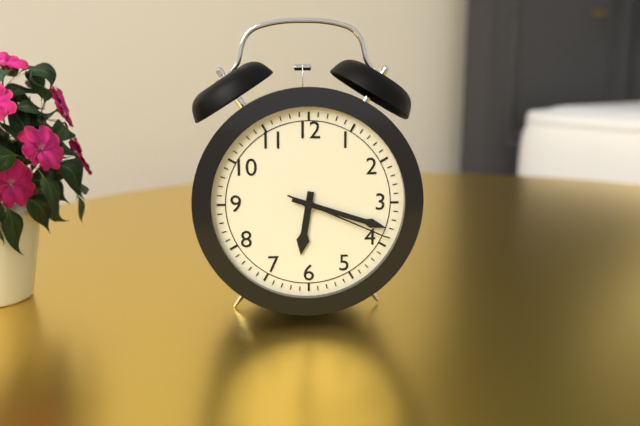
6:18:19
